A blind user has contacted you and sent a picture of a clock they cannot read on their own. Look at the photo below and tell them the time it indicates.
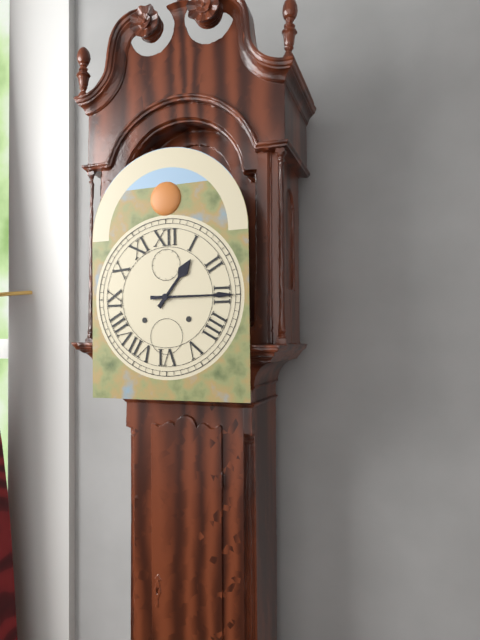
1:15
